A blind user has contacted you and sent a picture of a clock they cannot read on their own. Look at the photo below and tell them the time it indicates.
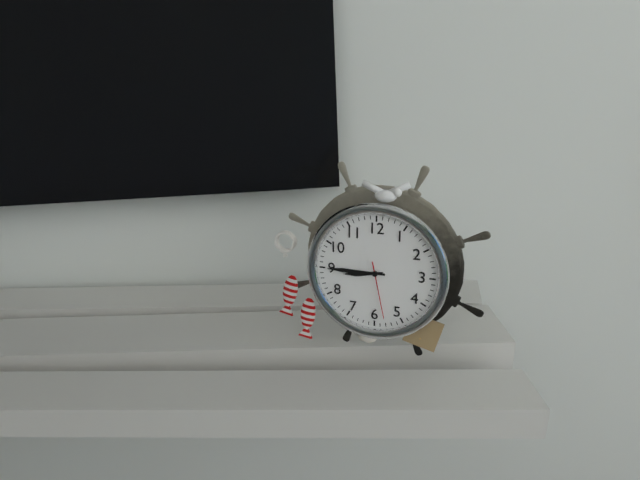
8:45:28
